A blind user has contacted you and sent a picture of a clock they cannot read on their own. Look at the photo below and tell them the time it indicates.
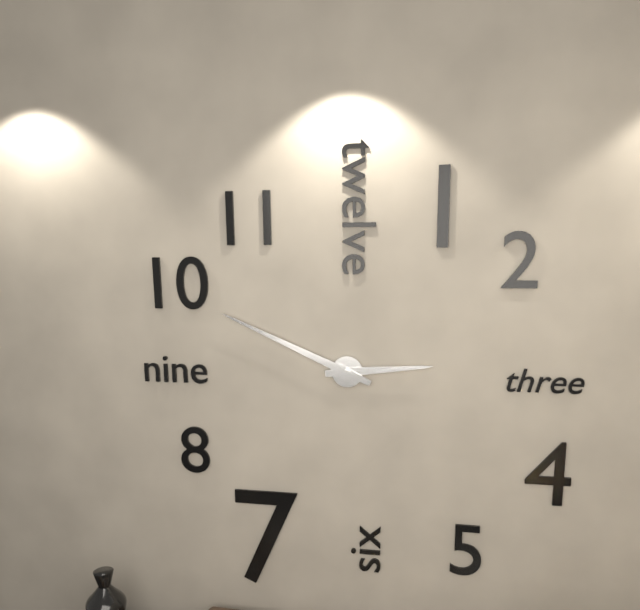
2:49
